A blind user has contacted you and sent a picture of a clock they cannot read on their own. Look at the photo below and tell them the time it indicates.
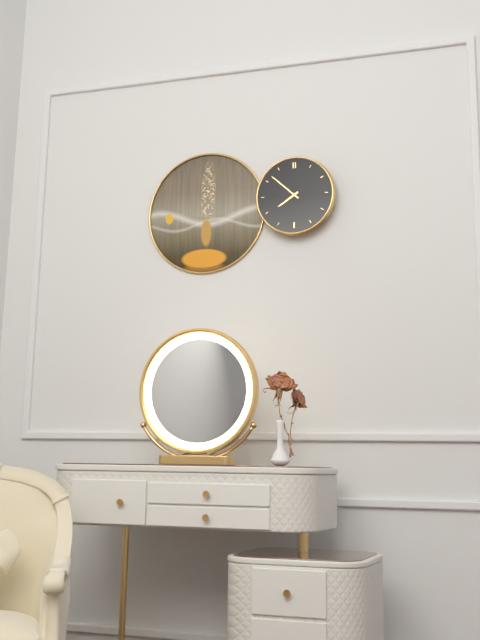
7:52
